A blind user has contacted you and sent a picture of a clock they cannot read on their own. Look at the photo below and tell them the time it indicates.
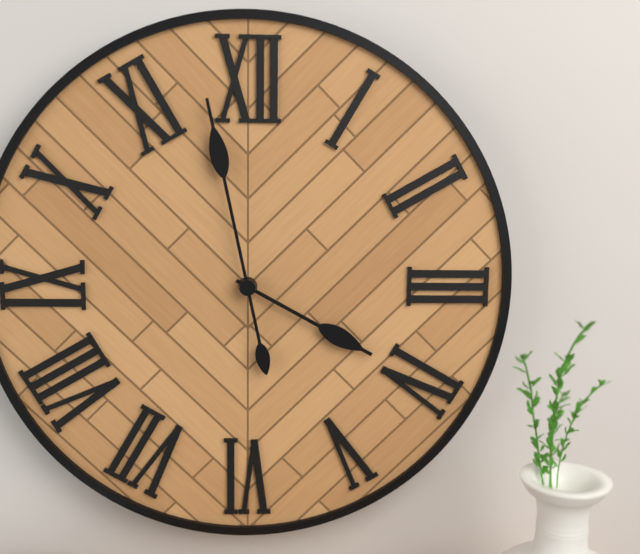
3:58
